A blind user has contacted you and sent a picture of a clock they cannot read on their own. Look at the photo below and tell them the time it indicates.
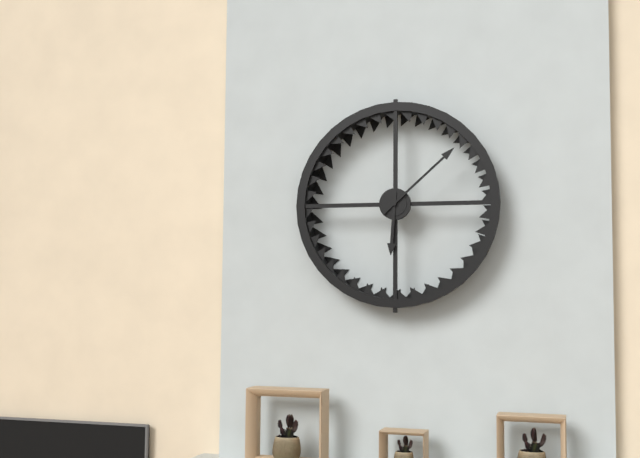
6:08
